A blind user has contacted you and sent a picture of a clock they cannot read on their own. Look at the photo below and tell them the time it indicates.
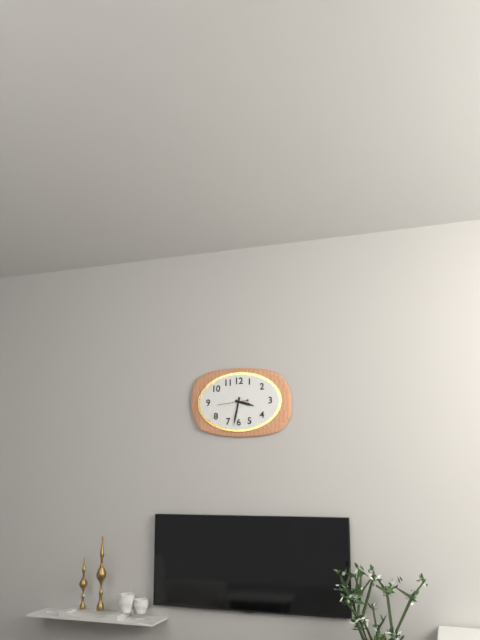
3:32
